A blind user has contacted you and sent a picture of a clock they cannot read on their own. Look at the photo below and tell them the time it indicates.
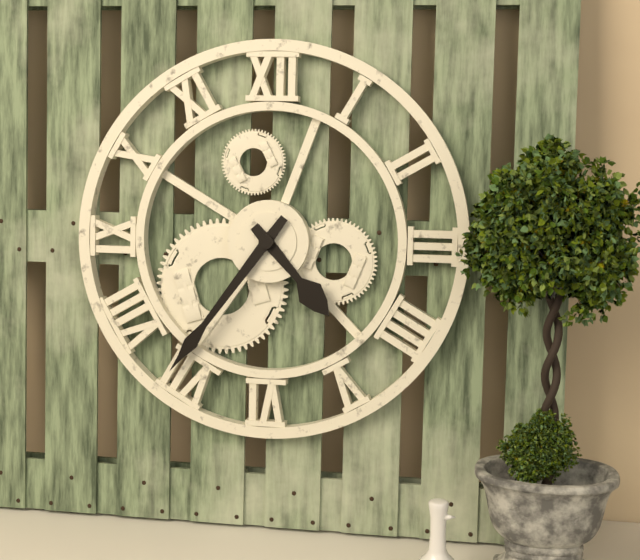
4:36
